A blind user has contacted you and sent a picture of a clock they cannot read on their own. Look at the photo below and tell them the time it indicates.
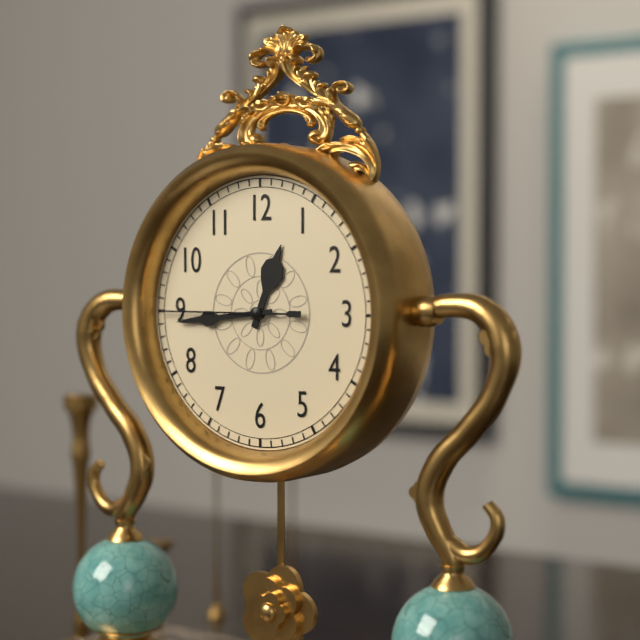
12:44:45
